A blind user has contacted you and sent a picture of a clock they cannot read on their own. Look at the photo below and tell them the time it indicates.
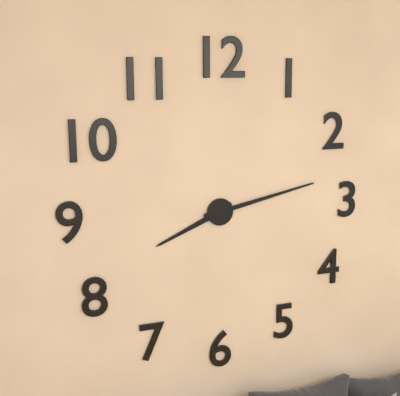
8:13
